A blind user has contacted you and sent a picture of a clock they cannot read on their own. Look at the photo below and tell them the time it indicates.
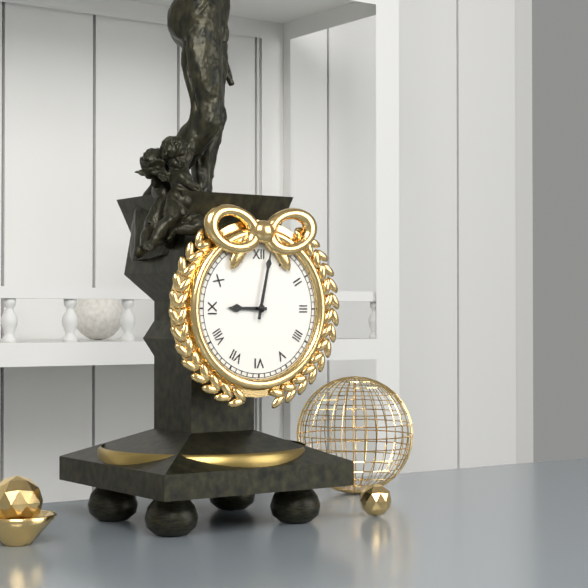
9:02
